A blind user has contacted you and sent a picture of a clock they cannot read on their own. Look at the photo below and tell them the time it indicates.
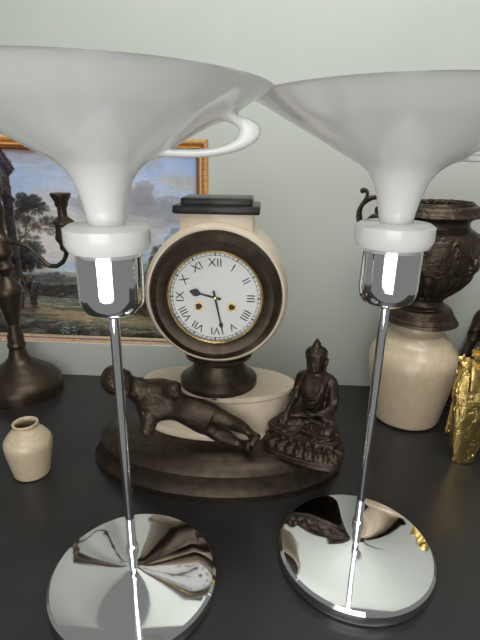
9:28
